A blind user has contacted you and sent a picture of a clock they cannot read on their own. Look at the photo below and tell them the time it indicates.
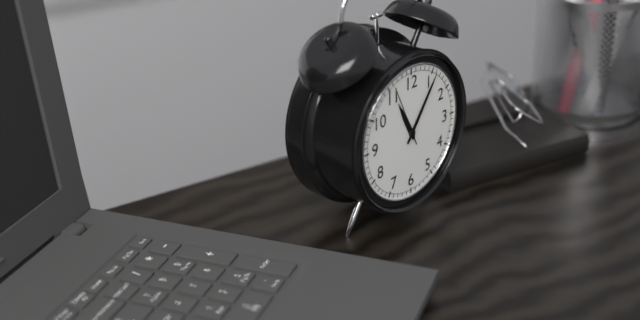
11:06:56
